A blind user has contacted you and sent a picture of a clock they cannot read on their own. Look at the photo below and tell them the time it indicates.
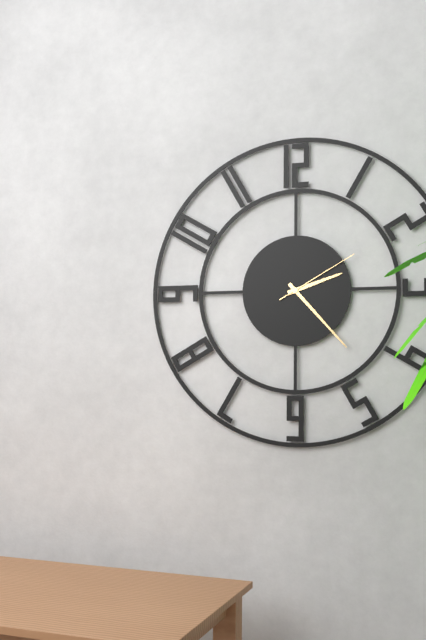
2:23:10
